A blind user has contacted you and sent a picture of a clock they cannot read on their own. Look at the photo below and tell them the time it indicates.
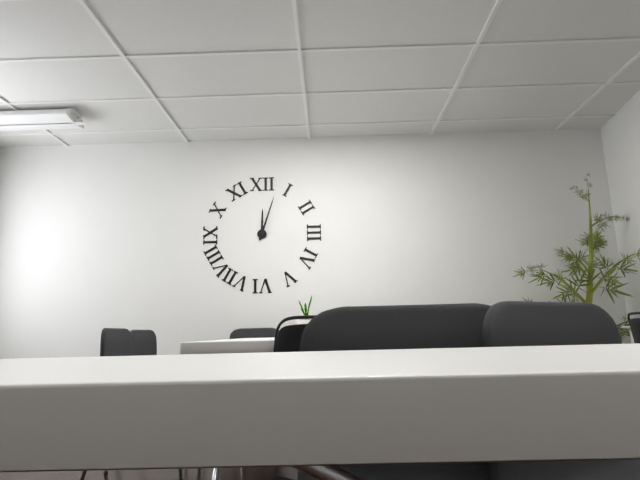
12:03
